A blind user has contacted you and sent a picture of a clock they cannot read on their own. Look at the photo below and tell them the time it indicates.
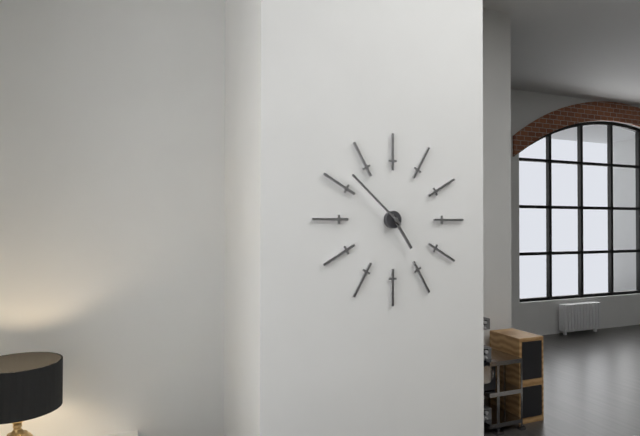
4:52
